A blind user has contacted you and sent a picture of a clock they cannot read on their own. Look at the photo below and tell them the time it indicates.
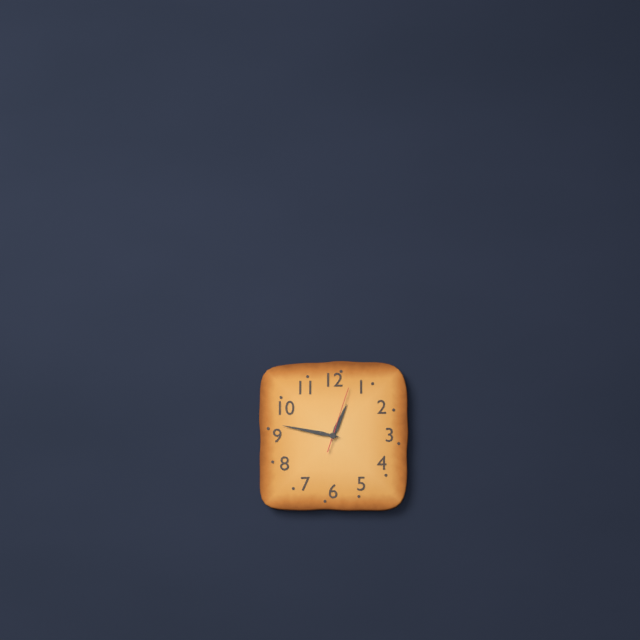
12:47:03
